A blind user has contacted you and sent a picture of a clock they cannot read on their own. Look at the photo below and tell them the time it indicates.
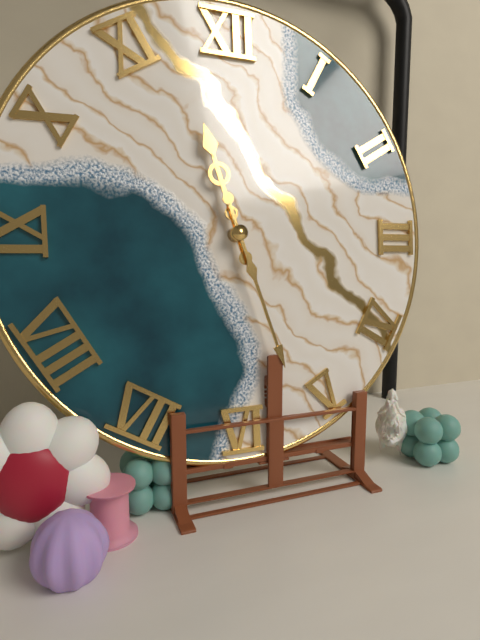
11:27
